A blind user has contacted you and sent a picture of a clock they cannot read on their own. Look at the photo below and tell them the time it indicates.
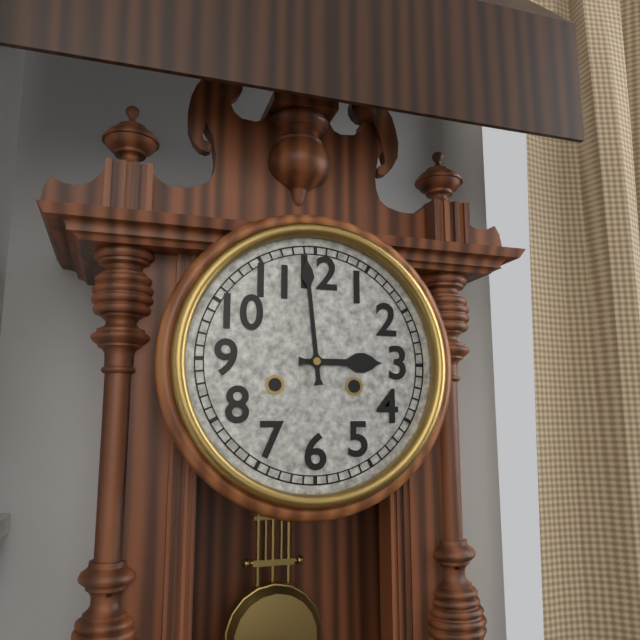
2:59
